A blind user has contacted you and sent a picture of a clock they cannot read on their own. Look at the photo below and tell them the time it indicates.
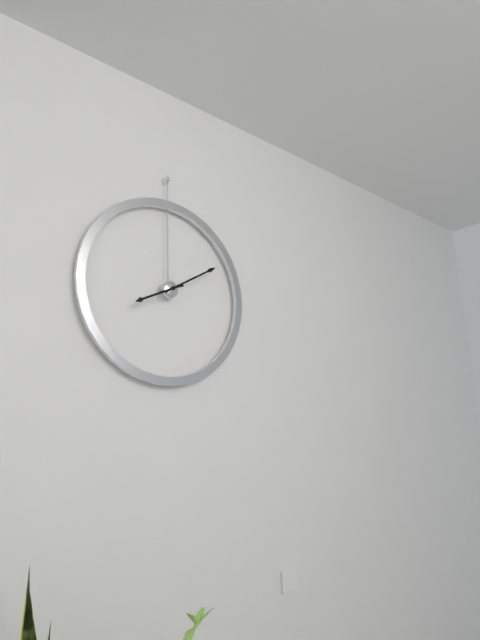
8:10
